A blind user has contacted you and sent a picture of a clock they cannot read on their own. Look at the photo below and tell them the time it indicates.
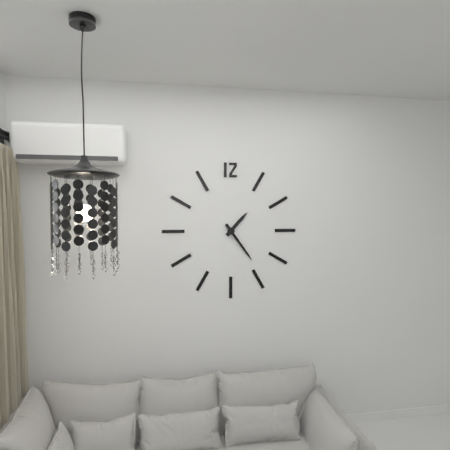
1:24
